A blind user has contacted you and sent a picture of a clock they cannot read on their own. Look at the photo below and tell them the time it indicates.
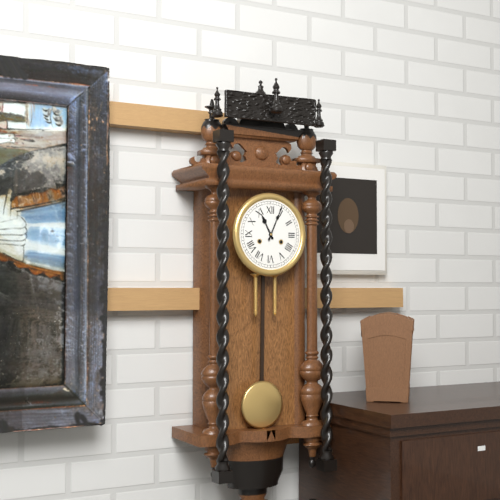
11:04
